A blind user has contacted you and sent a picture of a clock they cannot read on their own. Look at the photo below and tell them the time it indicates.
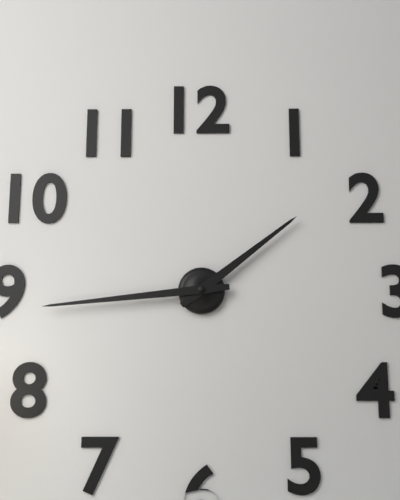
1:44
